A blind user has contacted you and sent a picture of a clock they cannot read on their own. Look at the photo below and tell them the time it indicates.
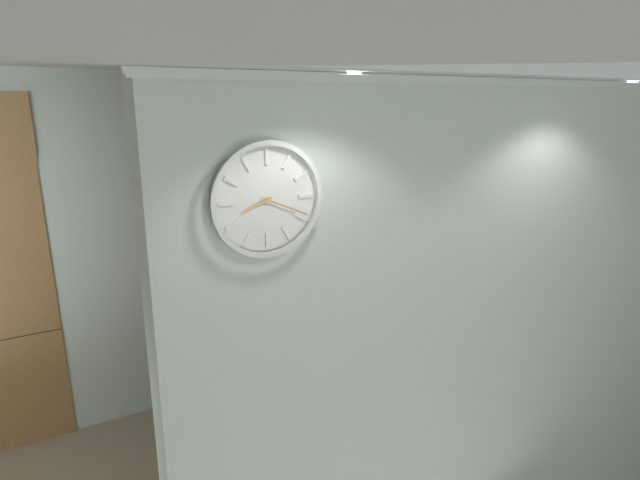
8:19
